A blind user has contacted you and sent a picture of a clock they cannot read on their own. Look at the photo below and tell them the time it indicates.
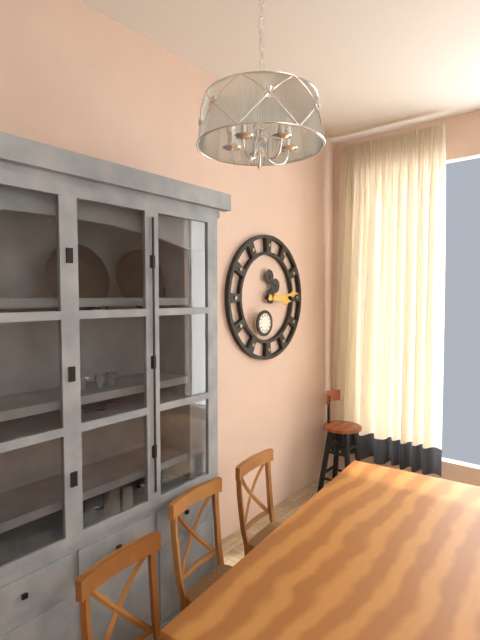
3:14
